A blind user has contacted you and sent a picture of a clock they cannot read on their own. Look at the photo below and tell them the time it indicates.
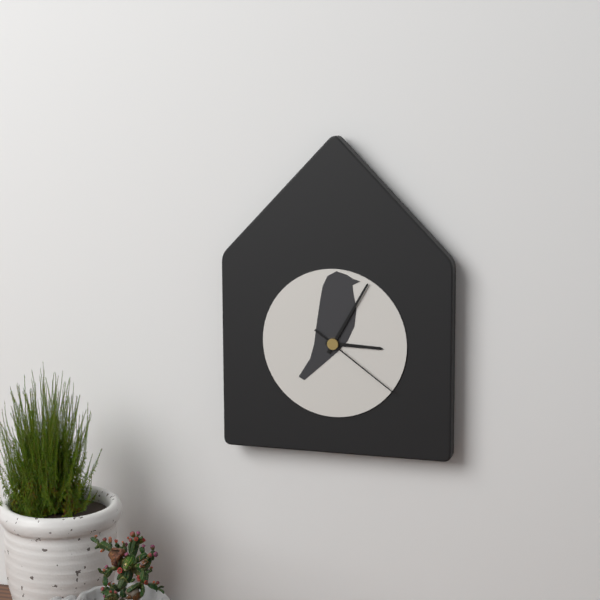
3:05:21
